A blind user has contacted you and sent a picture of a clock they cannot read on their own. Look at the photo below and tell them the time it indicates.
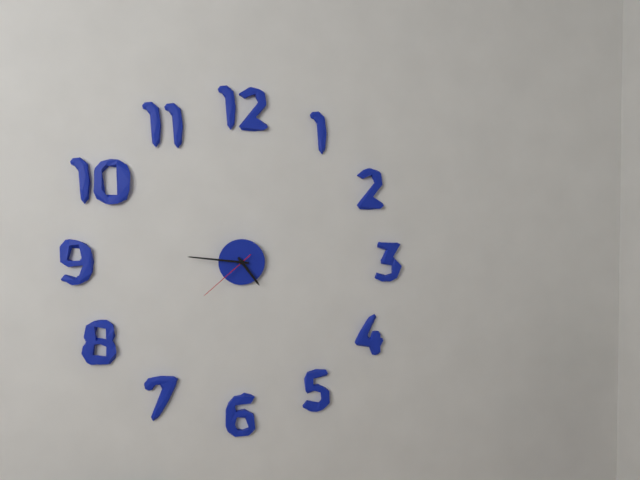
4:46:38
